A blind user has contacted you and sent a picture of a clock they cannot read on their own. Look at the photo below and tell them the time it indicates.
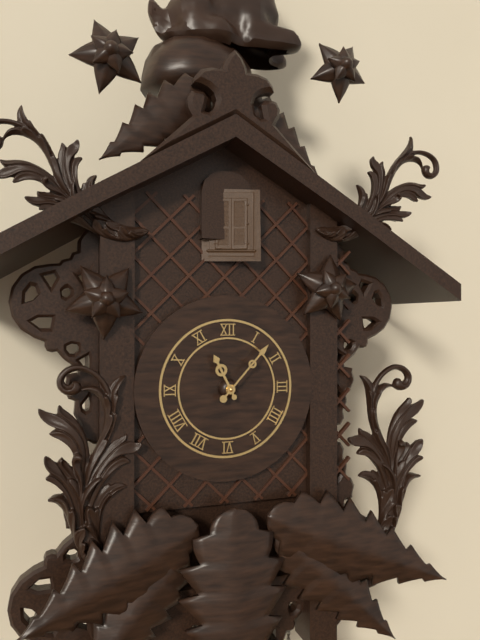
11:07
